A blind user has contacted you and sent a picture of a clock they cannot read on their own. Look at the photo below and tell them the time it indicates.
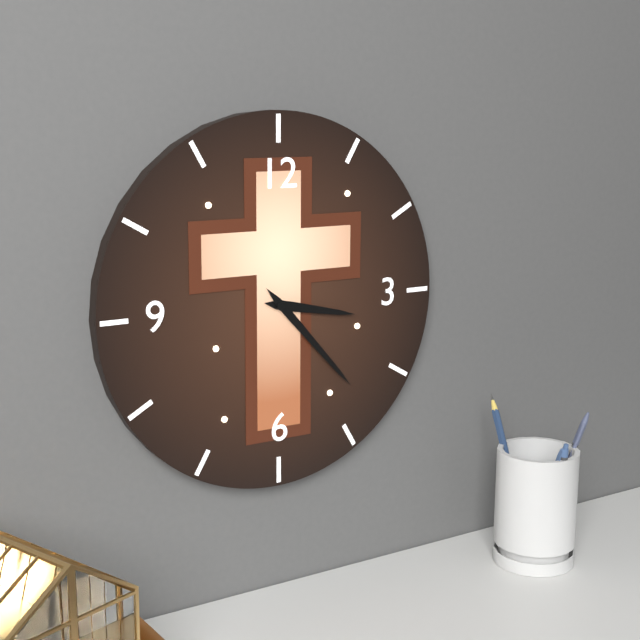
3:23
